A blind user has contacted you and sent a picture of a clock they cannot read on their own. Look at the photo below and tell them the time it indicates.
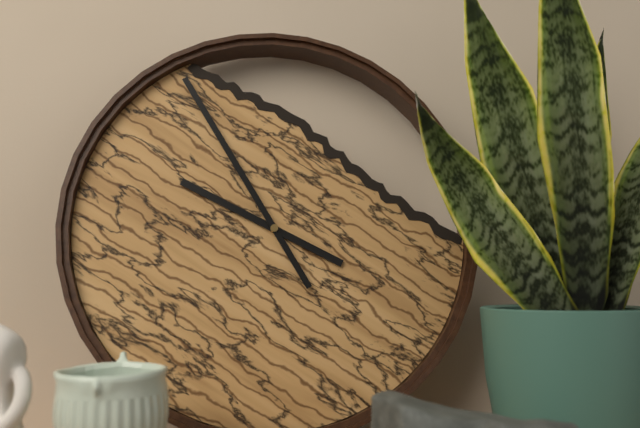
9:55
